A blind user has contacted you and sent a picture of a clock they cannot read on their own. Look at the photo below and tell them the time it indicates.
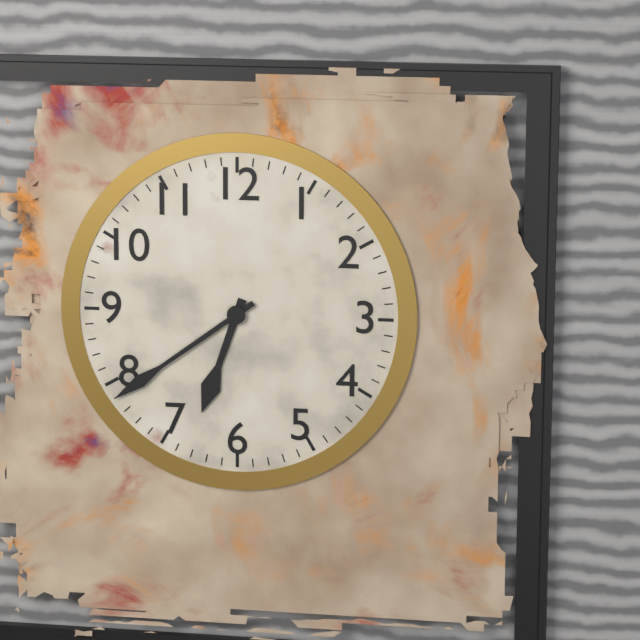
6:39
